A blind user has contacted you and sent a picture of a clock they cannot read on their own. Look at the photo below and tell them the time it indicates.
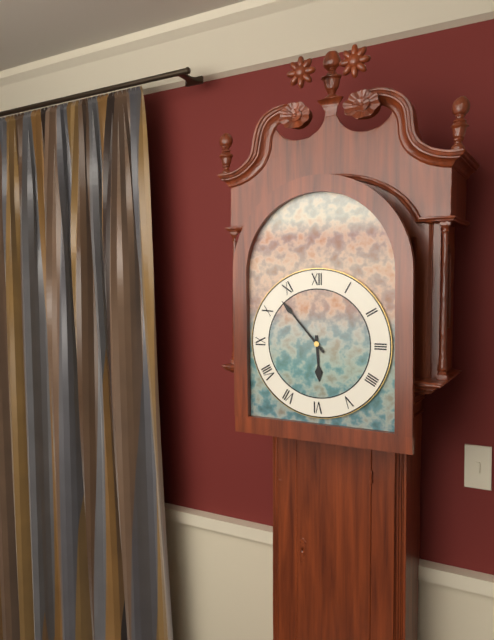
5:53
